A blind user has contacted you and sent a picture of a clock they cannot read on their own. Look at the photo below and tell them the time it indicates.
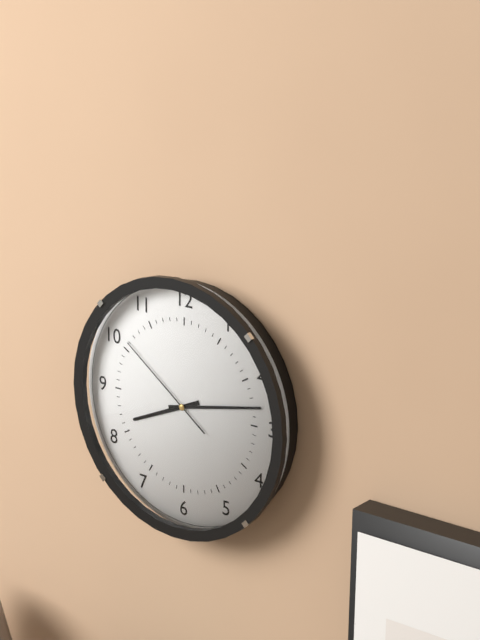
8:13:51
